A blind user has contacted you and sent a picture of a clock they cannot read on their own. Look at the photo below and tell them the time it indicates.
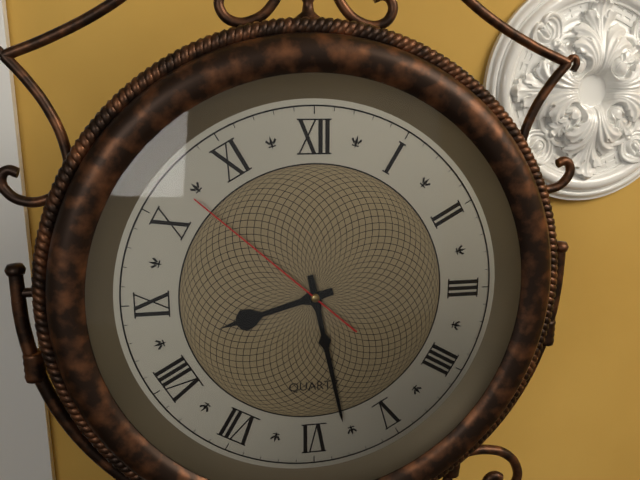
8:28:52
